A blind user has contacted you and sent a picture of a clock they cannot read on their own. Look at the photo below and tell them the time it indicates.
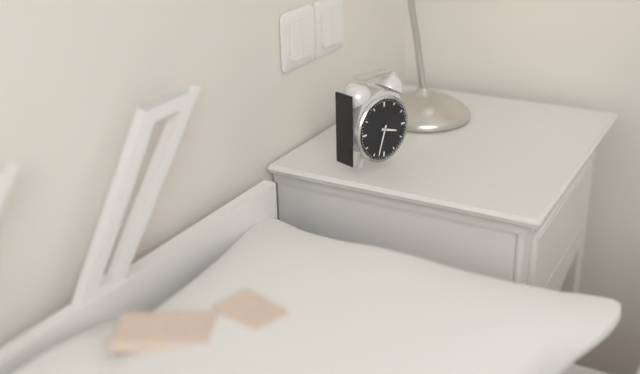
3:33
